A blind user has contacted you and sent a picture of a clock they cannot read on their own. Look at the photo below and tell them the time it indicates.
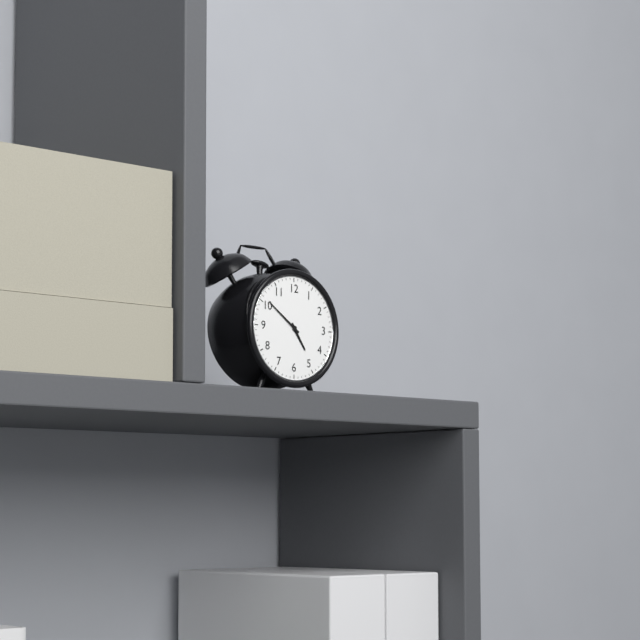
4:51
